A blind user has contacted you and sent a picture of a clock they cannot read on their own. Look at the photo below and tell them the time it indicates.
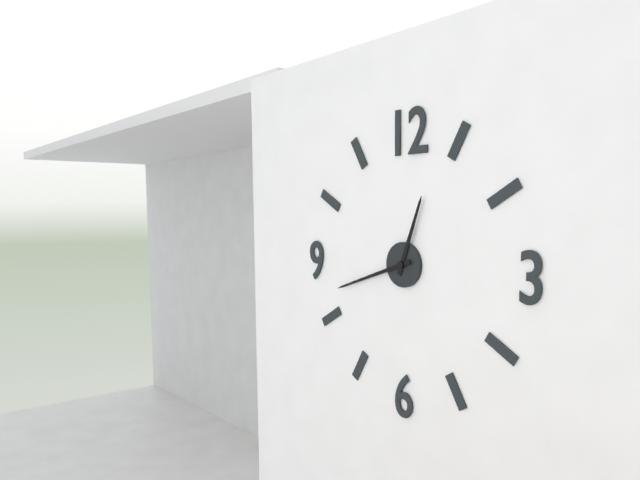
12:42
